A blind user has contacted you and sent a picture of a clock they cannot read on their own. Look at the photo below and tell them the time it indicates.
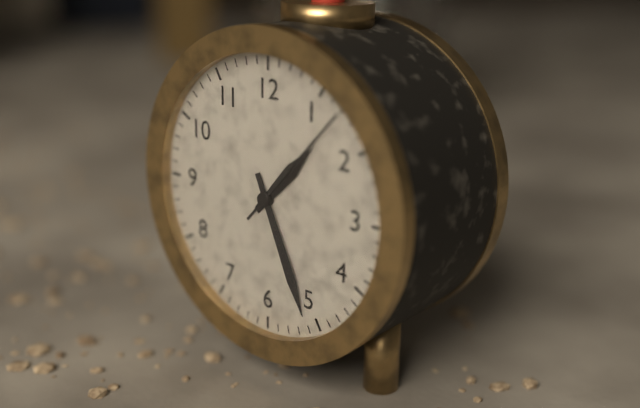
1:26:07
